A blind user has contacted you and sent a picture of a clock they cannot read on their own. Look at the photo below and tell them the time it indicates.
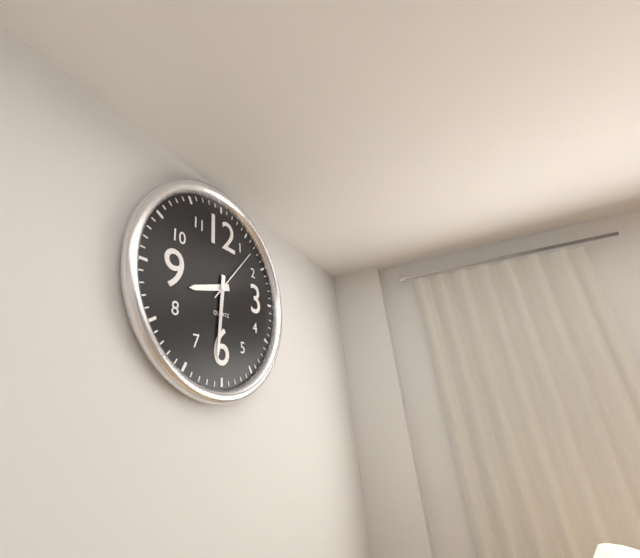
8:31:07
